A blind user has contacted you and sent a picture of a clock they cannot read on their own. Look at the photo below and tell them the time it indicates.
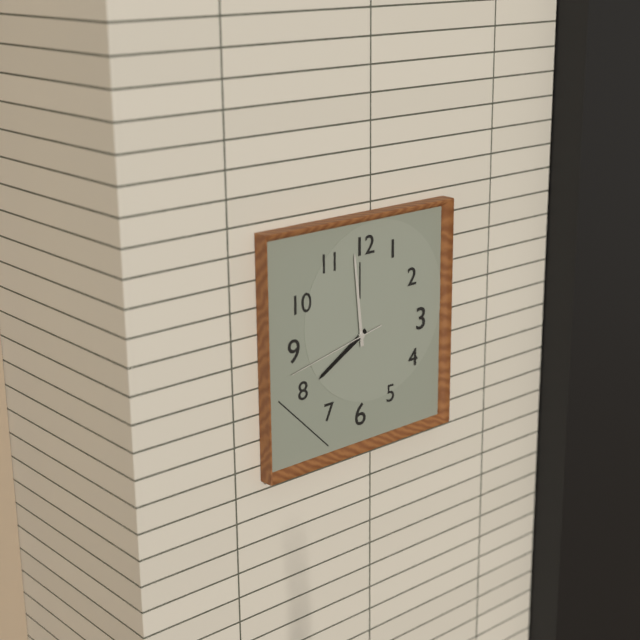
7:59:43
